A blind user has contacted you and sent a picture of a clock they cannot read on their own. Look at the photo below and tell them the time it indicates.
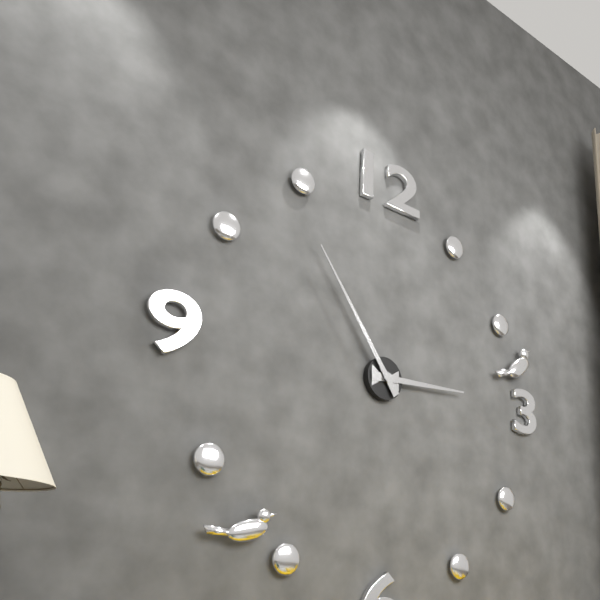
2:54
